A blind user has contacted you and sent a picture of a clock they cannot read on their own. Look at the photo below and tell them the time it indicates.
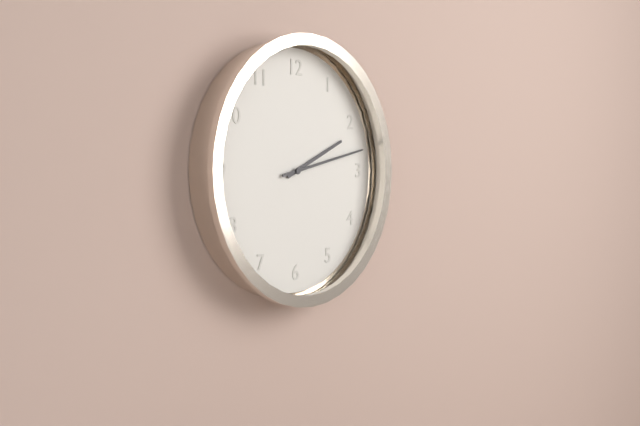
2:13
